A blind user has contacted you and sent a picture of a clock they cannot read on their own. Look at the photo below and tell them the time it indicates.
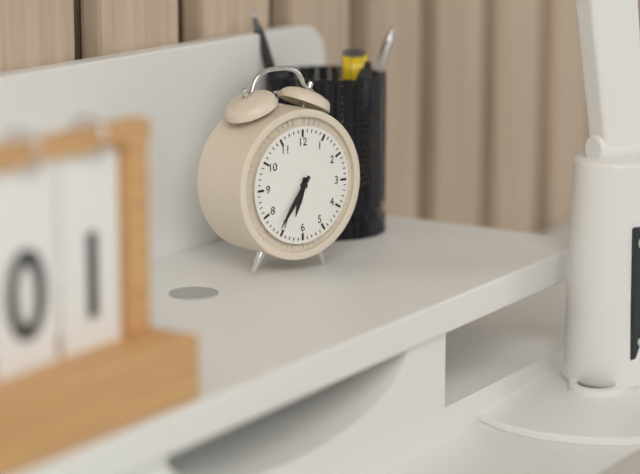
6:36
